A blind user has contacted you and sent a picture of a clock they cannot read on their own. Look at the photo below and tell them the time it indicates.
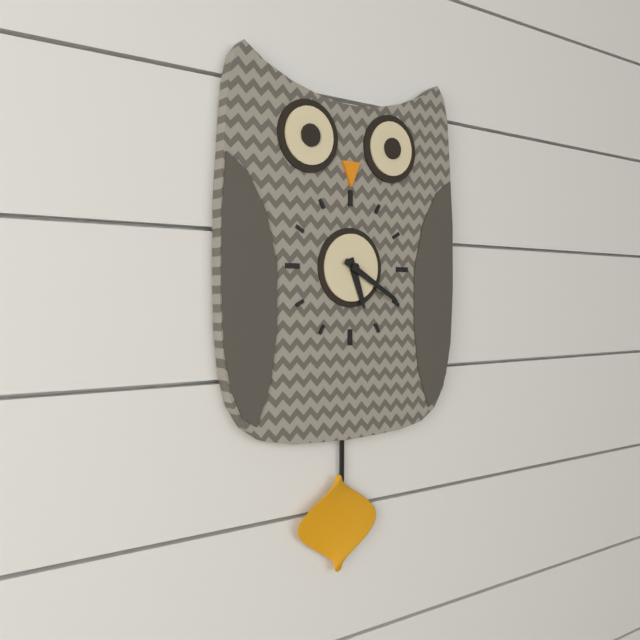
5:20
